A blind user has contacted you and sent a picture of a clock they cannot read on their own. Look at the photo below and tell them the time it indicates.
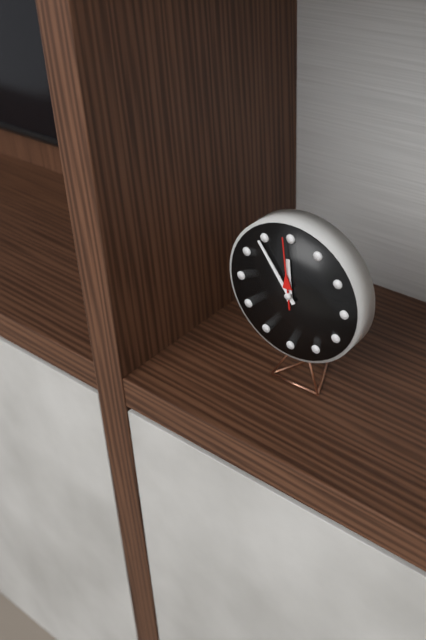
11:54:59
